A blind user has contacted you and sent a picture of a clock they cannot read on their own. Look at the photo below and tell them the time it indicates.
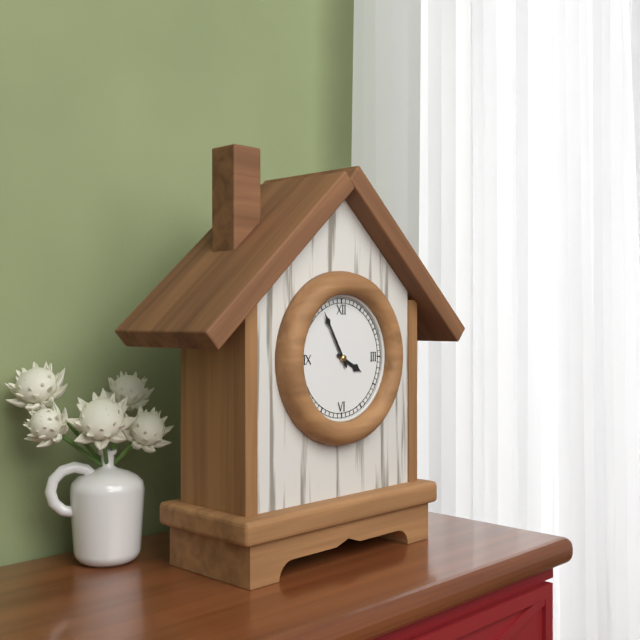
3:55
